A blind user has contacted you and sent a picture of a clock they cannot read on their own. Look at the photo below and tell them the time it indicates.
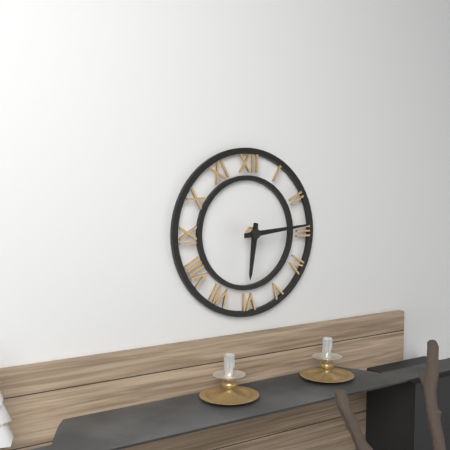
6:14
